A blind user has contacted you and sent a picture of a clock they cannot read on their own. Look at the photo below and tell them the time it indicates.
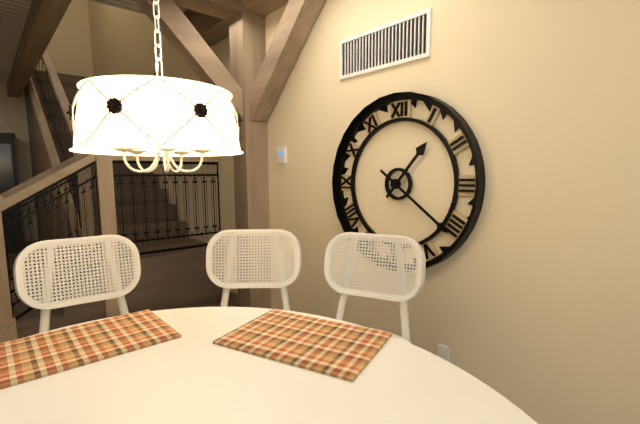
1:21
